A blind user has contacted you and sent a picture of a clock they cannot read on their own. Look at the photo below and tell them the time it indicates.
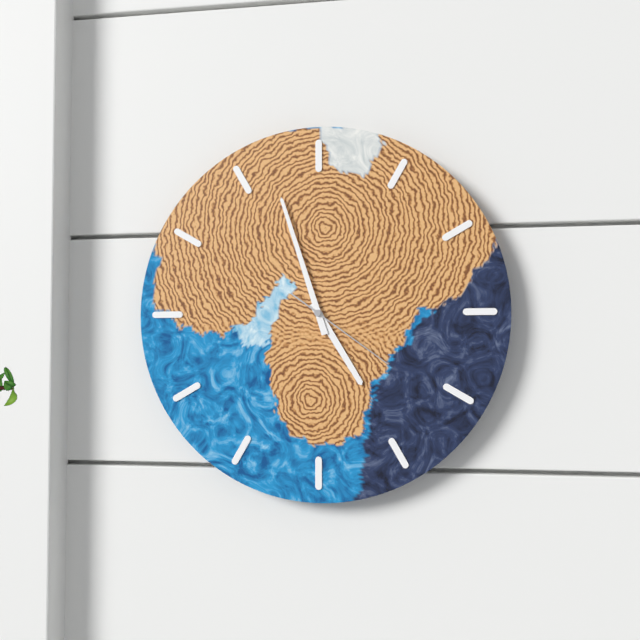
4:57:21
